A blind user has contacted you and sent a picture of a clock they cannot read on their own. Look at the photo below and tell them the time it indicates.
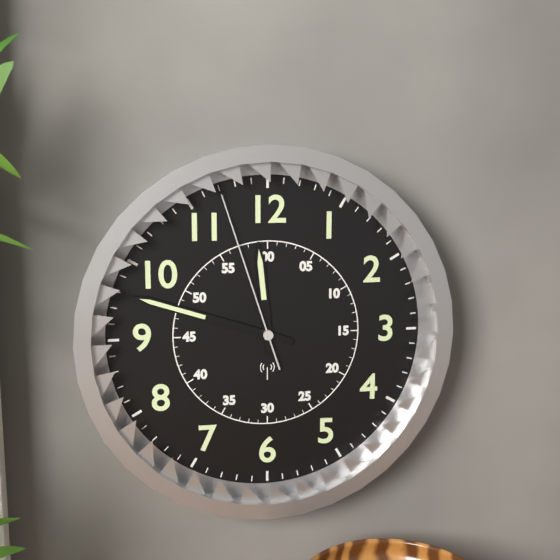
11:48:57
